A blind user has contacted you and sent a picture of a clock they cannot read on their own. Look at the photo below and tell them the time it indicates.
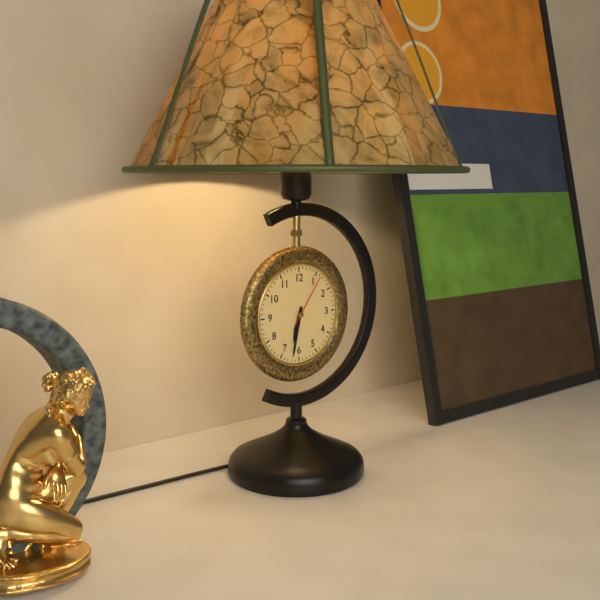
6:32:06
